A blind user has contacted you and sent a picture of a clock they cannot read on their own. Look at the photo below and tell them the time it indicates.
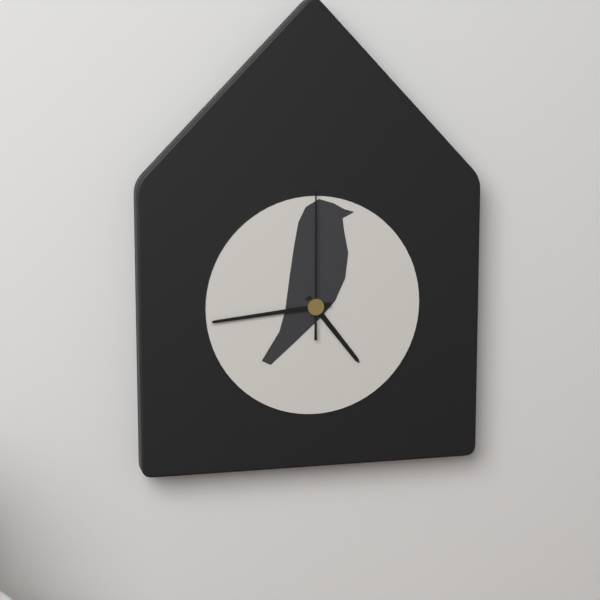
4:44:00
